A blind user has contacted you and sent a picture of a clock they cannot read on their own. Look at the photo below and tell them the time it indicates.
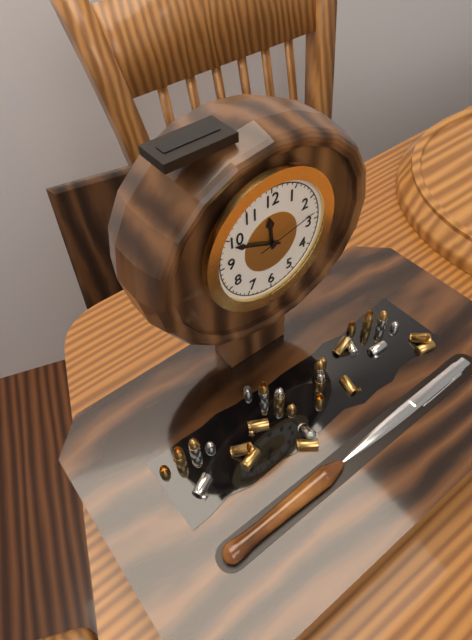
11:49:13
